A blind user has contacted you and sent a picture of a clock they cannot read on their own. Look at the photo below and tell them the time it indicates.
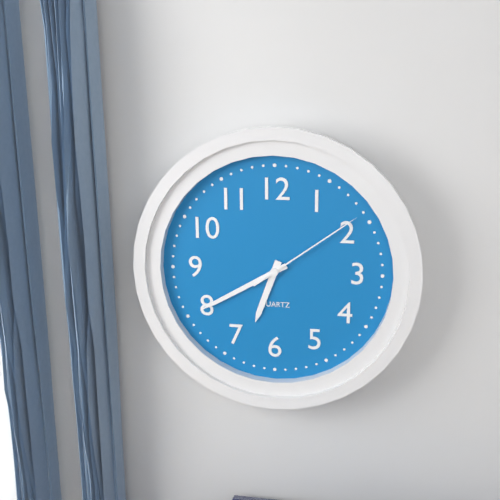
6:40:09
